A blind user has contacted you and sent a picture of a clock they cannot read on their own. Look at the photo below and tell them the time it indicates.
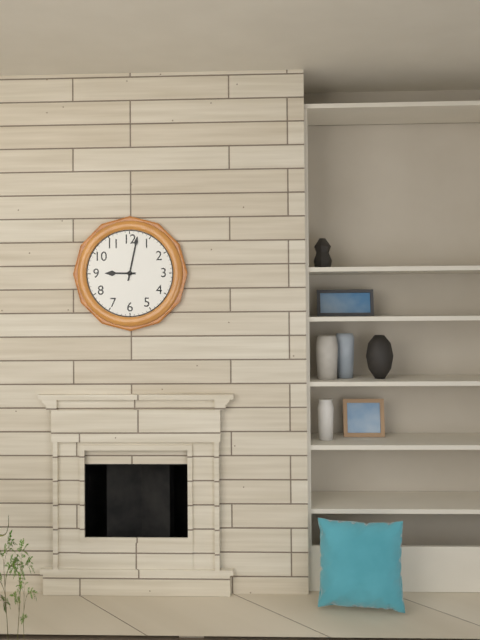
9:02
